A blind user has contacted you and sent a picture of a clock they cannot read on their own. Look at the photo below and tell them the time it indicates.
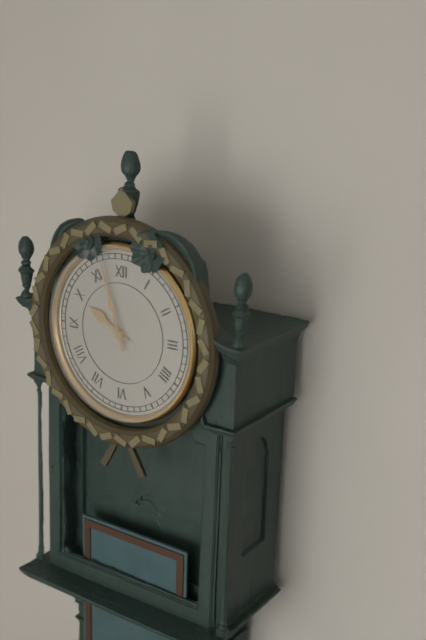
9:57
